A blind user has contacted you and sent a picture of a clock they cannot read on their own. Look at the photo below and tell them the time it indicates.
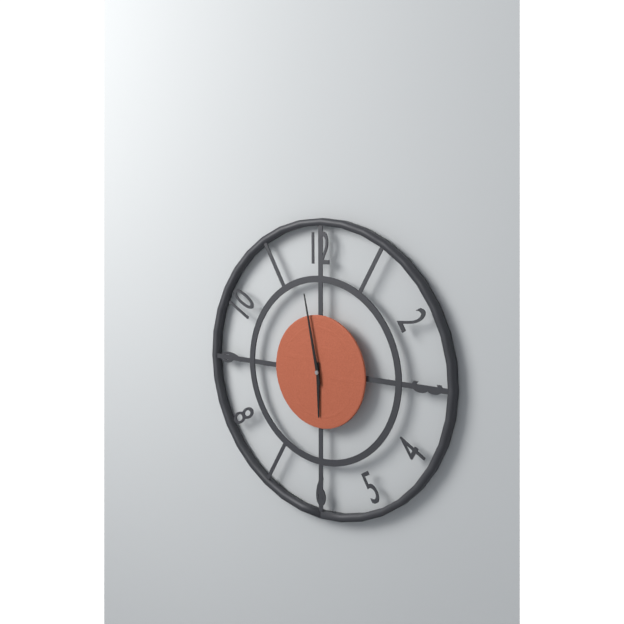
5:58
